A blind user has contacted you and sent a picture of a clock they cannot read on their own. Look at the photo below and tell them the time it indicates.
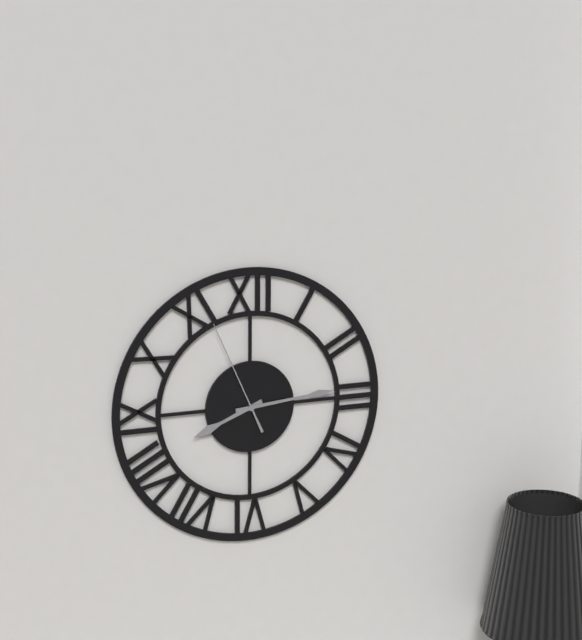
8:14:56
